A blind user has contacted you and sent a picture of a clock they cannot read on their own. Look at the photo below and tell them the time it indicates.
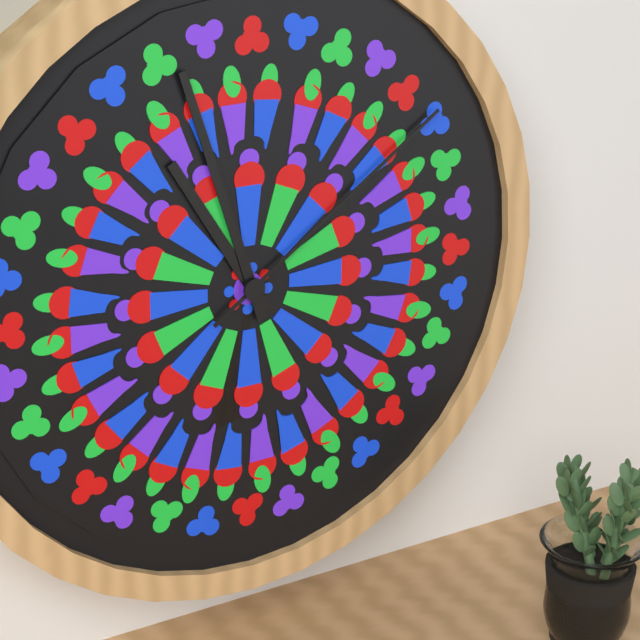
10:57:09
